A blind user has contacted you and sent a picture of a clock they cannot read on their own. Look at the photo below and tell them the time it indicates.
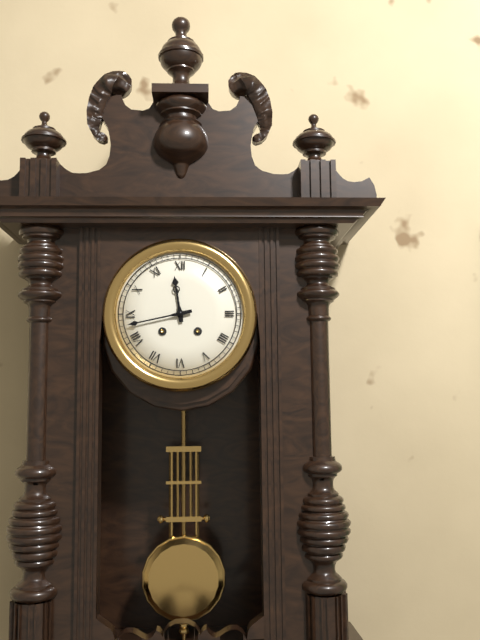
11:43
